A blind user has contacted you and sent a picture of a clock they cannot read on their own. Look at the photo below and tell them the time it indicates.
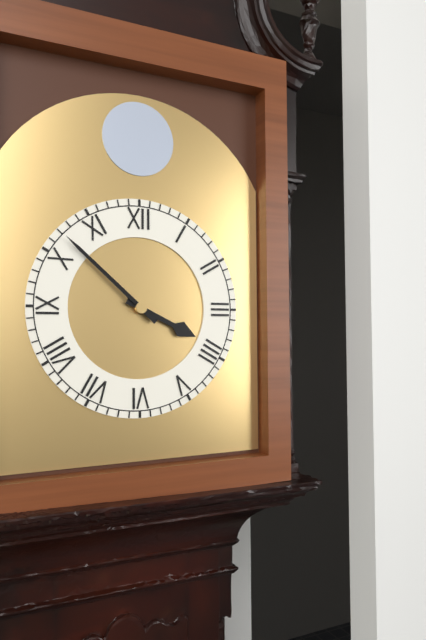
3:52
